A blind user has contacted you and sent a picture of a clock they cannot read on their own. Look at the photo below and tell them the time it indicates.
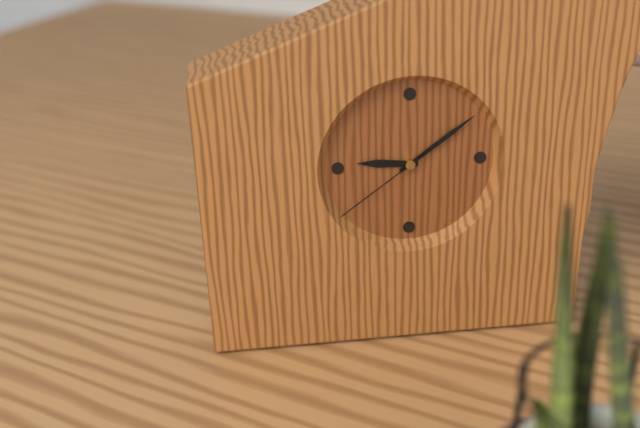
9:09:39
